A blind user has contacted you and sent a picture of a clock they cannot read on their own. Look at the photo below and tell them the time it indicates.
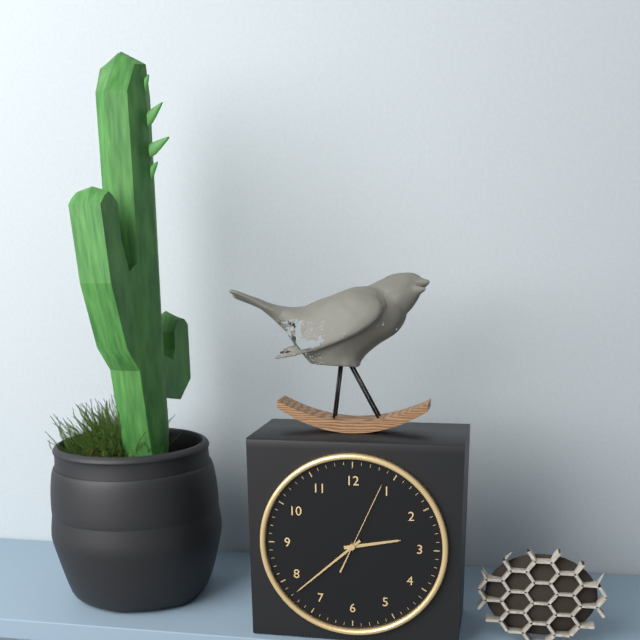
2:38:04
